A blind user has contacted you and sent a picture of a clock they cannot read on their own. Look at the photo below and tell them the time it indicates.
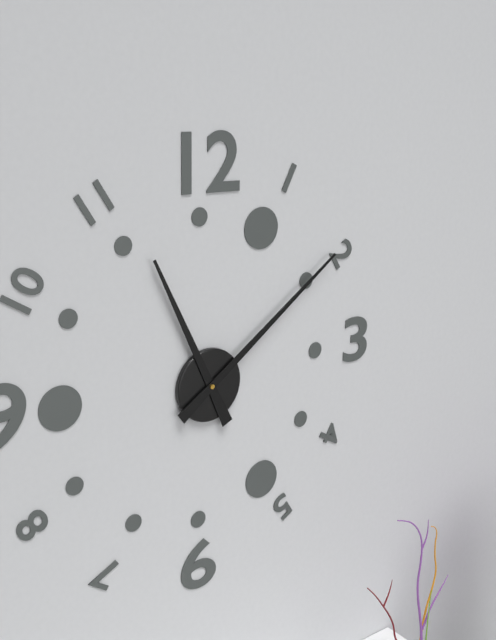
11:09
